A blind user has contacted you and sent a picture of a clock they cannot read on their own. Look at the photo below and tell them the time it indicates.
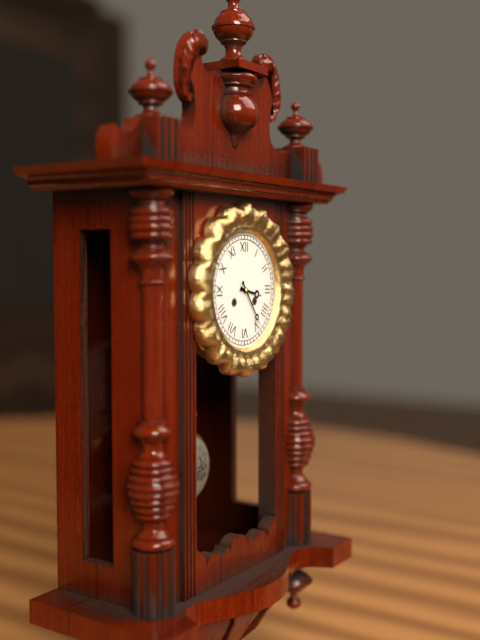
3:24
